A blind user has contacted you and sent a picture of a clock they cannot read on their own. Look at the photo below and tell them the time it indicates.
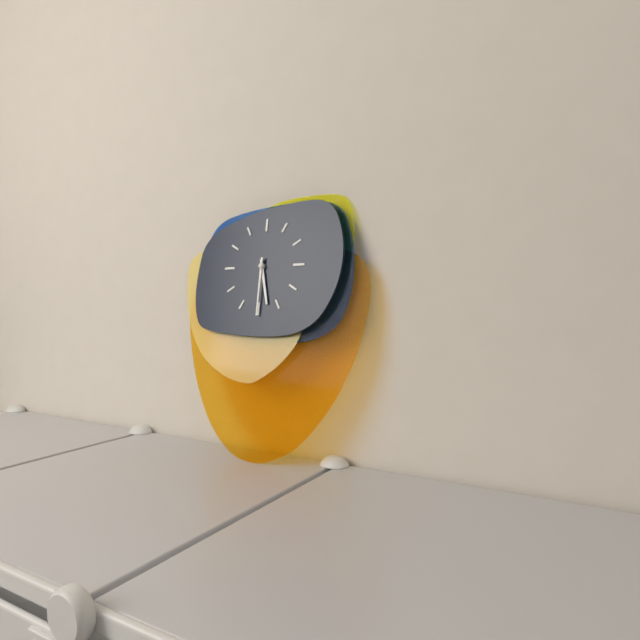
5:30
